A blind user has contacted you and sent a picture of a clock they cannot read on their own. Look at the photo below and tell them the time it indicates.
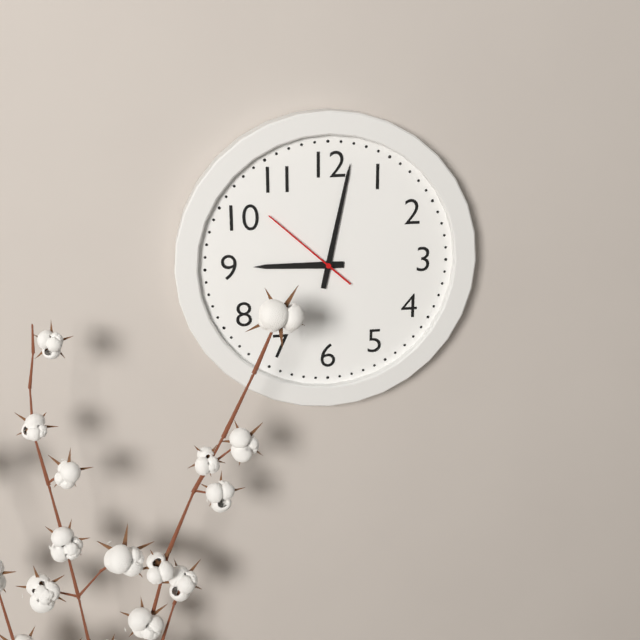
9:02:52
